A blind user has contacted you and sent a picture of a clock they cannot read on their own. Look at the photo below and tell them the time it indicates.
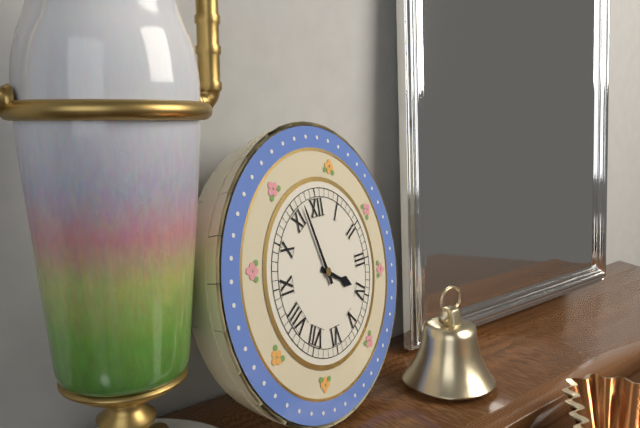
3:57
